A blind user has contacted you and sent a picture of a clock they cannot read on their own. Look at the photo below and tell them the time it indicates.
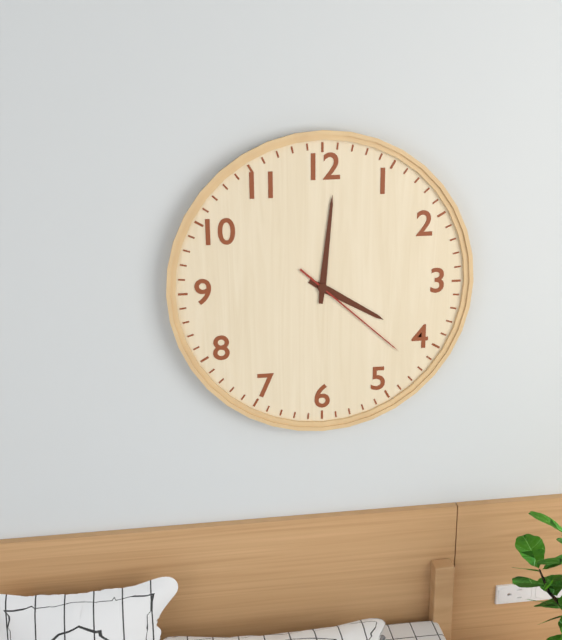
4:01:22
